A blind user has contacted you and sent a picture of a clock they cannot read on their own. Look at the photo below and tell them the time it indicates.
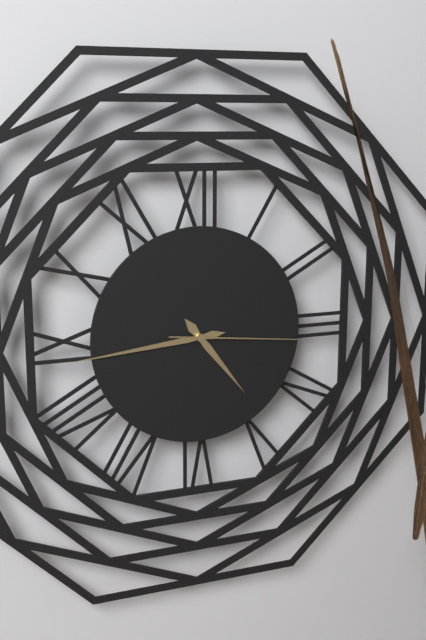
4:44:16
